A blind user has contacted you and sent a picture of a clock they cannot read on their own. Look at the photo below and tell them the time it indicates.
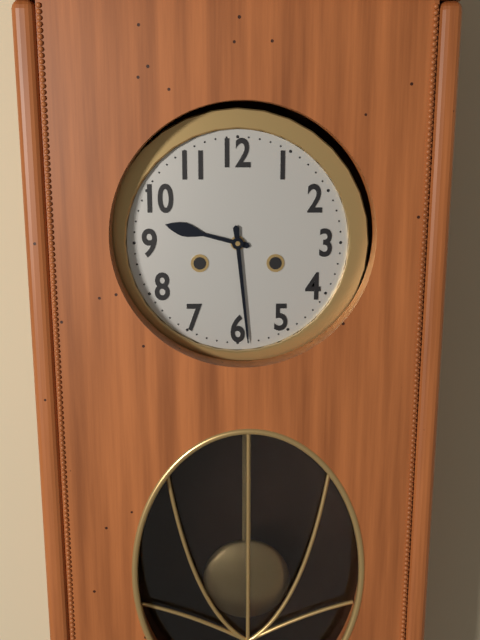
9:29
